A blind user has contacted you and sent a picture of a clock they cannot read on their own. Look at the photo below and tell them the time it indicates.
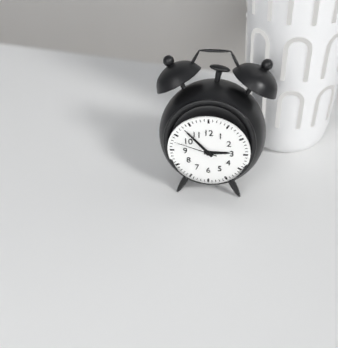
2:53
